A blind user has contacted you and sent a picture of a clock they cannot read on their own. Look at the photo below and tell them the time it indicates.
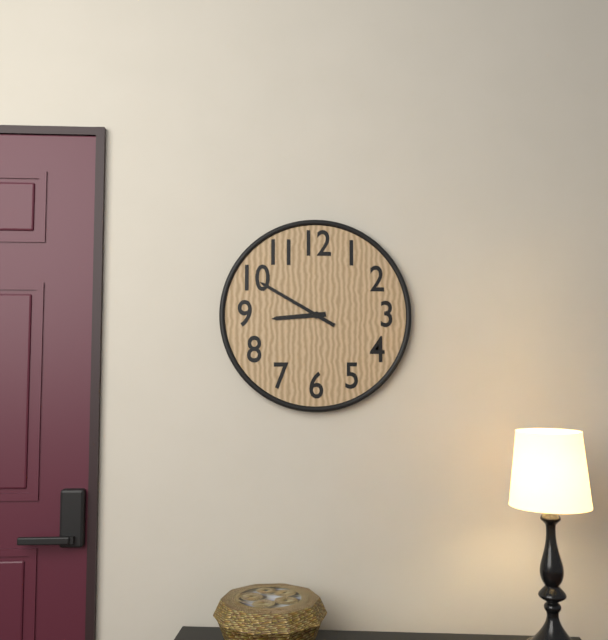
8:50
